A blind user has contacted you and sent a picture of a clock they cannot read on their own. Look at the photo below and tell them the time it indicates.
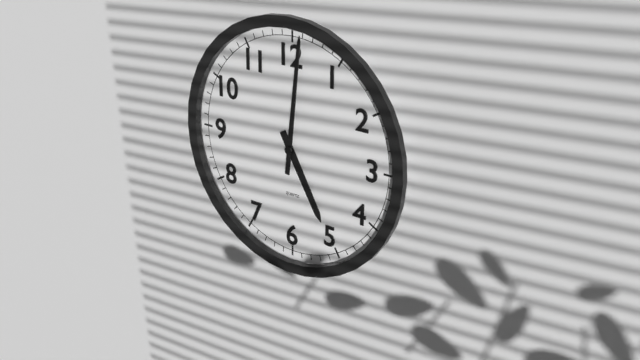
5:01
